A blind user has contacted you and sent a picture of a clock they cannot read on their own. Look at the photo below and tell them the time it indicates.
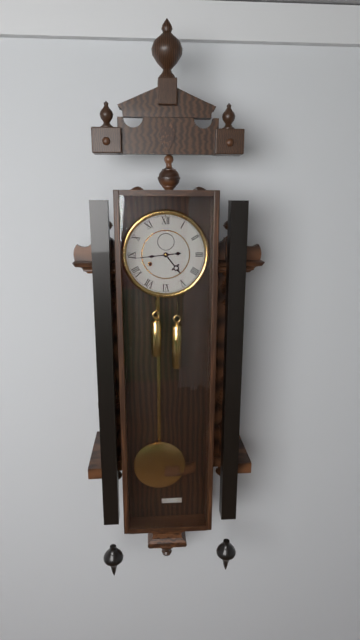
4:44
